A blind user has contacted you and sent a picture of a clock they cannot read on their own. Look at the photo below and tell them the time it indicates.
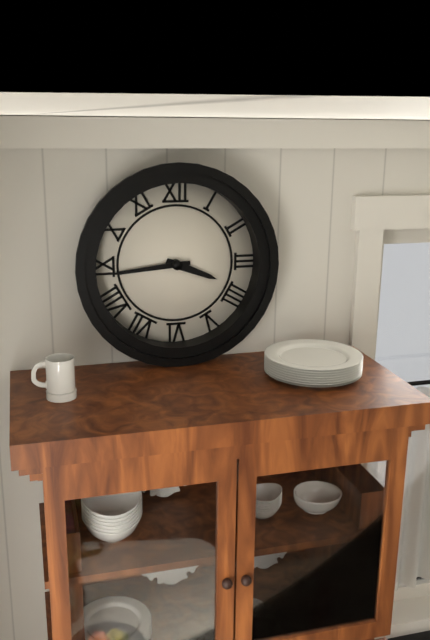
3:44
